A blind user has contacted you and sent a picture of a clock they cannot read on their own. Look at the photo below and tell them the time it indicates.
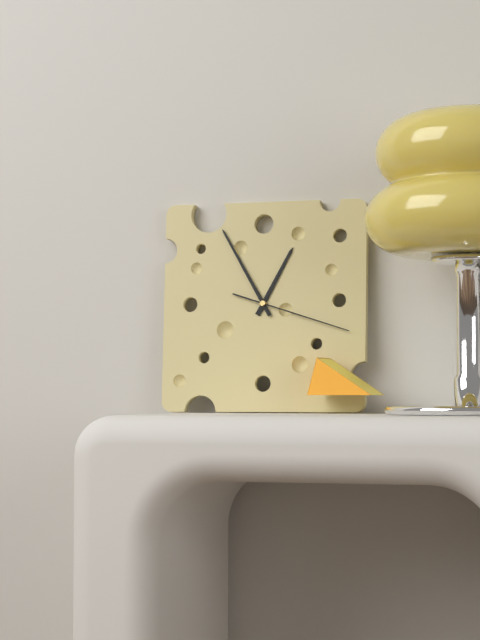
12:55:18
